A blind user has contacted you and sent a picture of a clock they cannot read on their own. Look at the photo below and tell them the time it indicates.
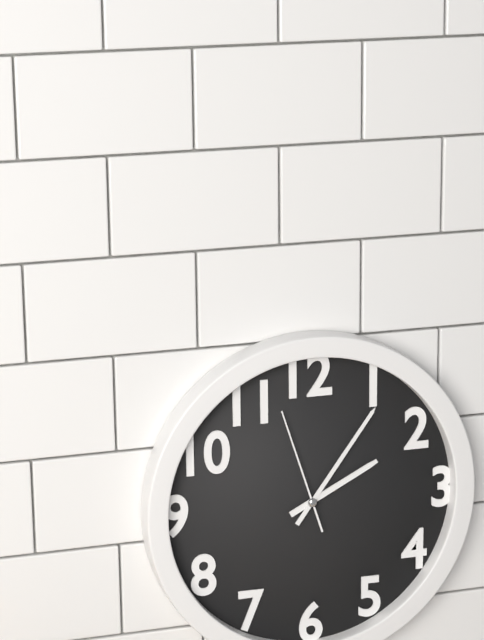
2:06:57
